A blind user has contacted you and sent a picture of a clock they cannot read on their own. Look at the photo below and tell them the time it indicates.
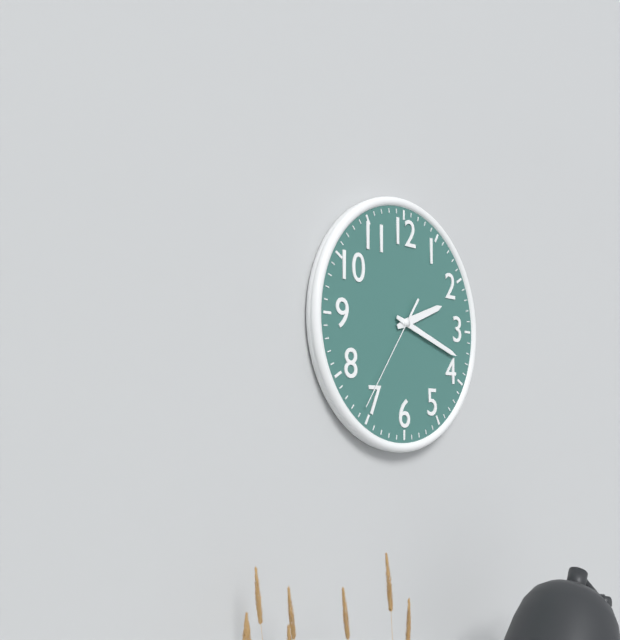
2:18:36
